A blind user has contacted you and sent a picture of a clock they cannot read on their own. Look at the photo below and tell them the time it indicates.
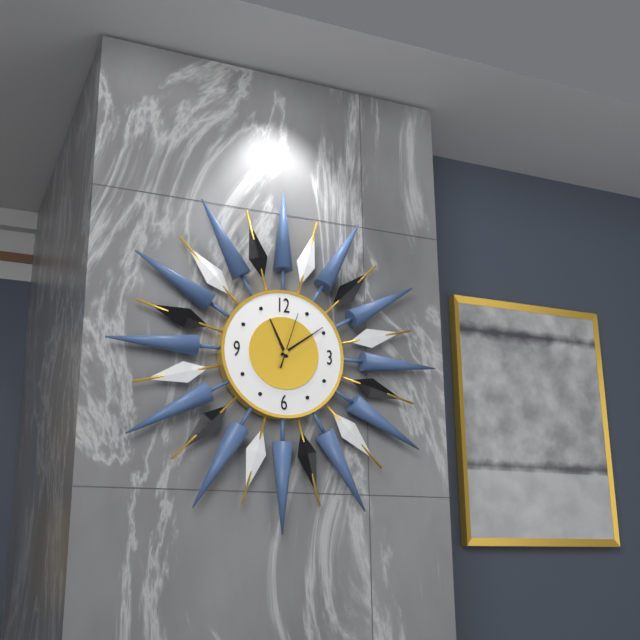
11:09:03
